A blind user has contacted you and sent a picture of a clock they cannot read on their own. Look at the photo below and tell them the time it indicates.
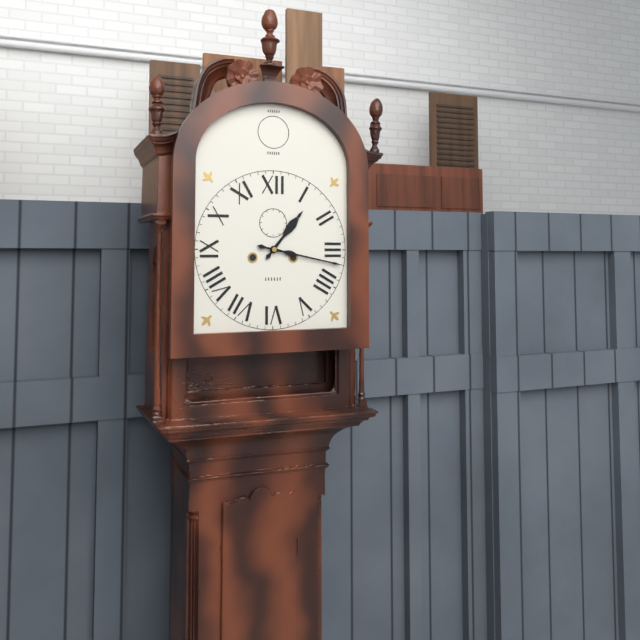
1:17
